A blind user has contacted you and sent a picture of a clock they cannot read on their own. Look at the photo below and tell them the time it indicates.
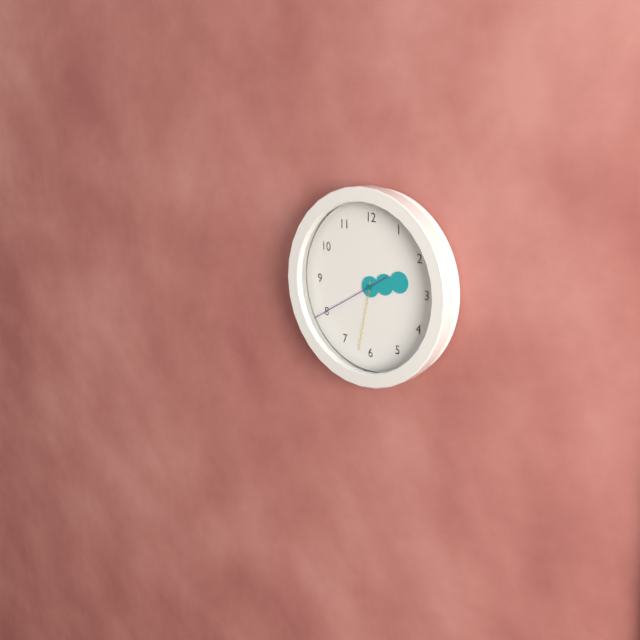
2:32:40
